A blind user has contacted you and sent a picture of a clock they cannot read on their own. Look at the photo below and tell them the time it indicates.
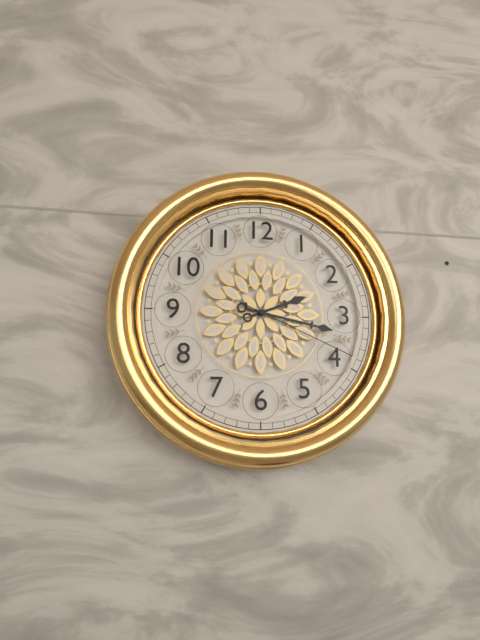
2:17:19
